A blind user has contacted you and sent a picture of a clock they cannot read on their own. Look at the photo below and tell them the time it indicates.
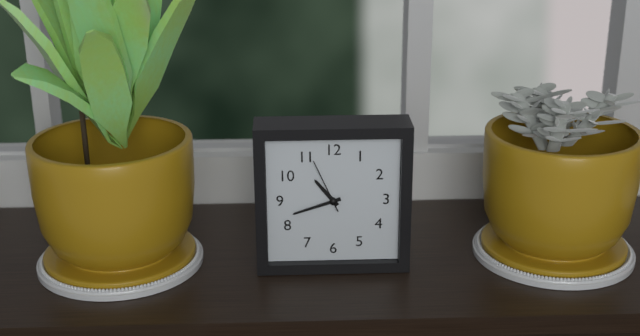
10:42:56
